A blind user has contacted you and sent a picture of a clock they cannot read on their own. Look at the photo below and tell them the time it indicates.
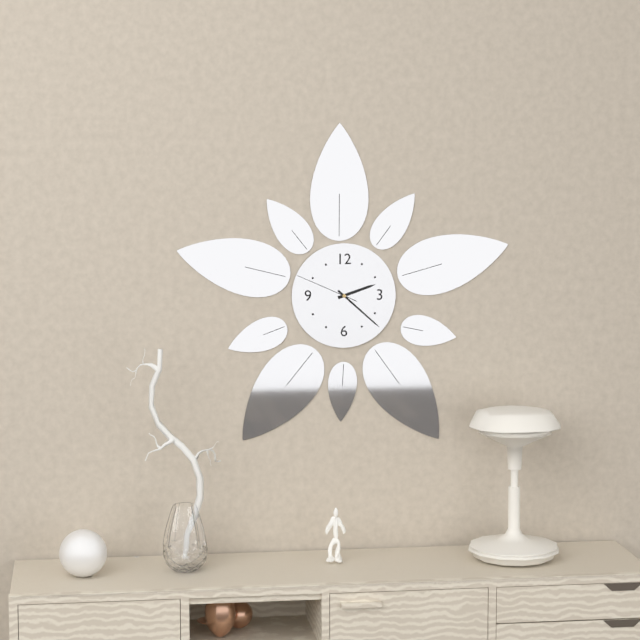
2:22:49
